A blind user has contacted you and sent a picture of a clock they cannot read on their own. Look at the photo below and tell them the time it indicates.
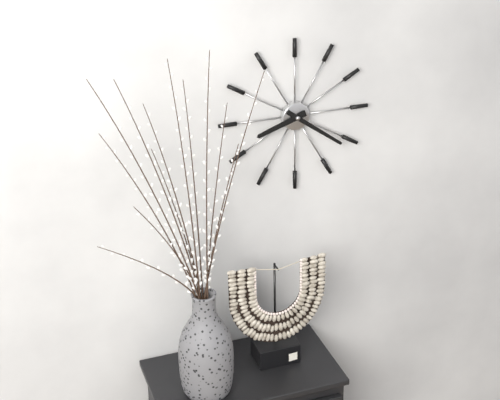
8:21
